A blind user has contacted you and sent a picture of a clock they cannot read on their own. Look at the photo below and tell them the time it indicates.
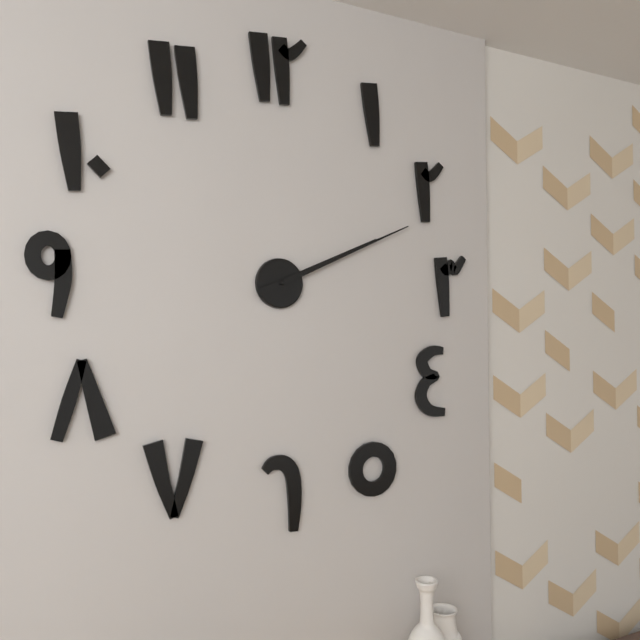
2:11
